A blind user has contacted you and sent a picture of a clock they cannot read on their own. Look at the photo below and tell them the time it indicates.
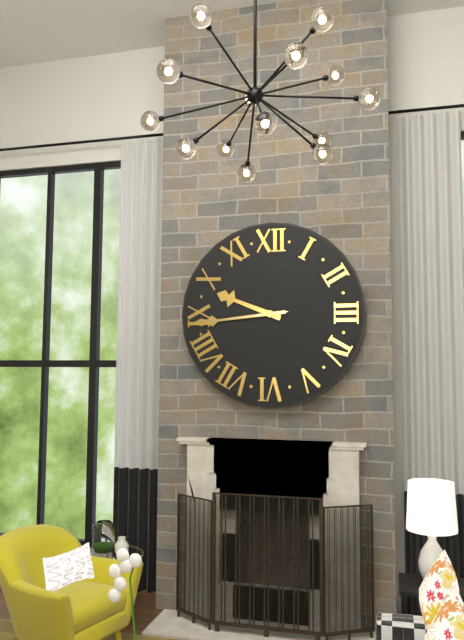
9:44:44
